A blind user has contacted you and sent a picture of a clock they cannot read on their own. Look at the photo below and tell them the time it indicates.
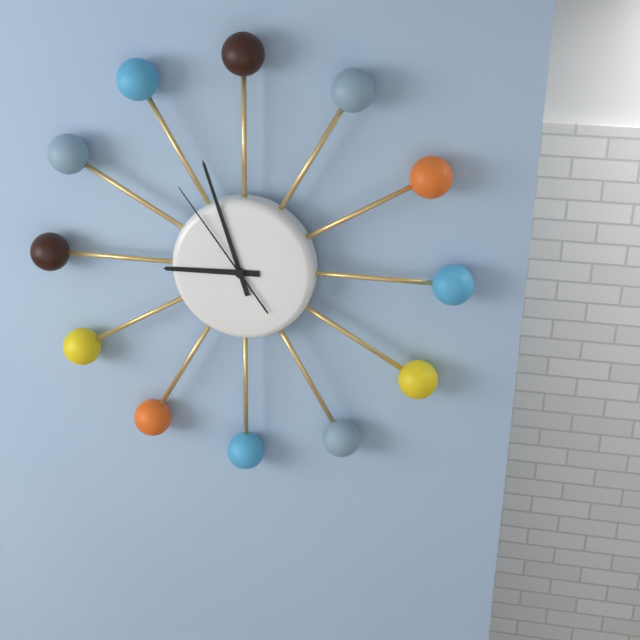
8:57:54
